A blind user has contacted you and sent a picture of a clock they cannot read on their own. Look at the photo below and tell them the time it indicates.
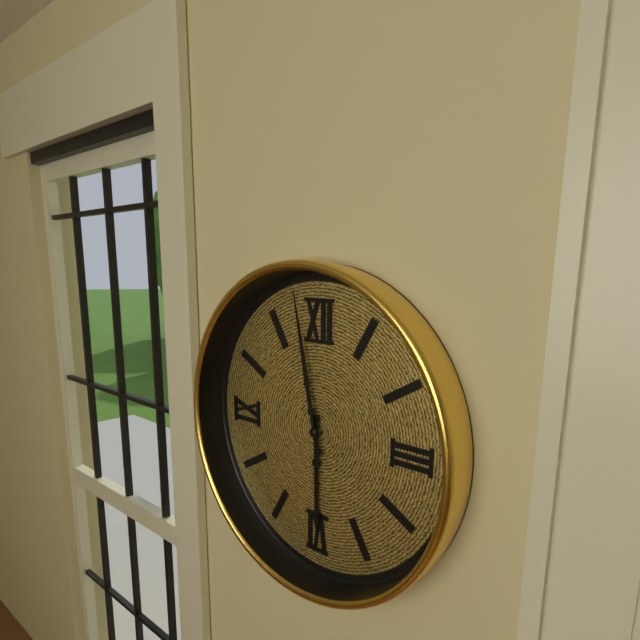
5:58
